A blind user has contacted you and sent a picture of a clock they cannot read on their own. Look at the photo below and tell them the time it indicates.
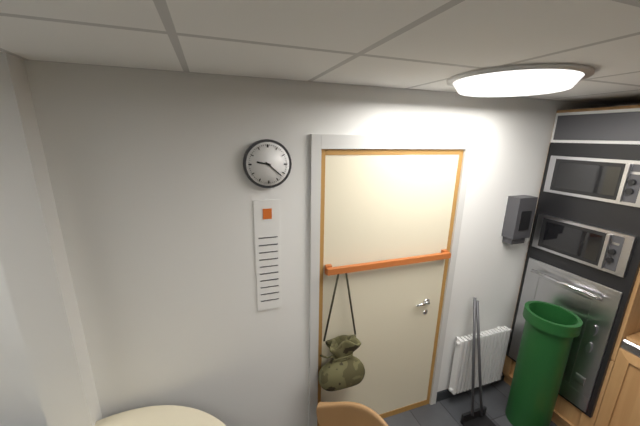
9:22
